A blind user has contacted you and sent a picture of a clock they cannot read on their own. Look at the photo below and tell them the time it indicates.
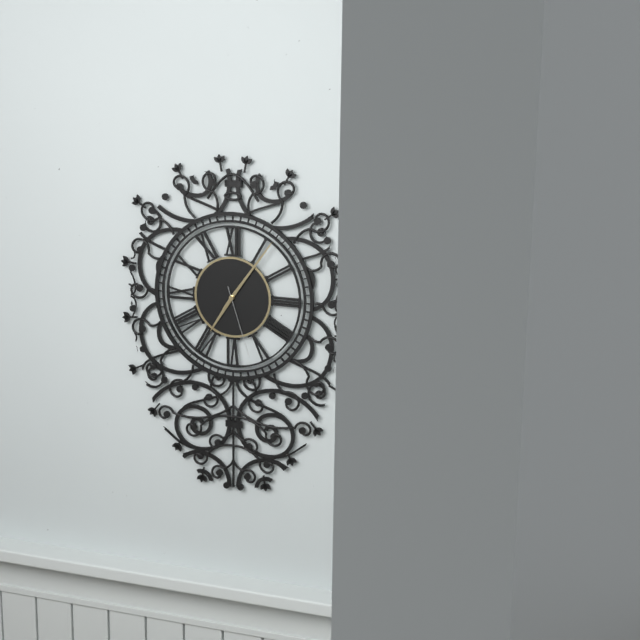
7:06:27
